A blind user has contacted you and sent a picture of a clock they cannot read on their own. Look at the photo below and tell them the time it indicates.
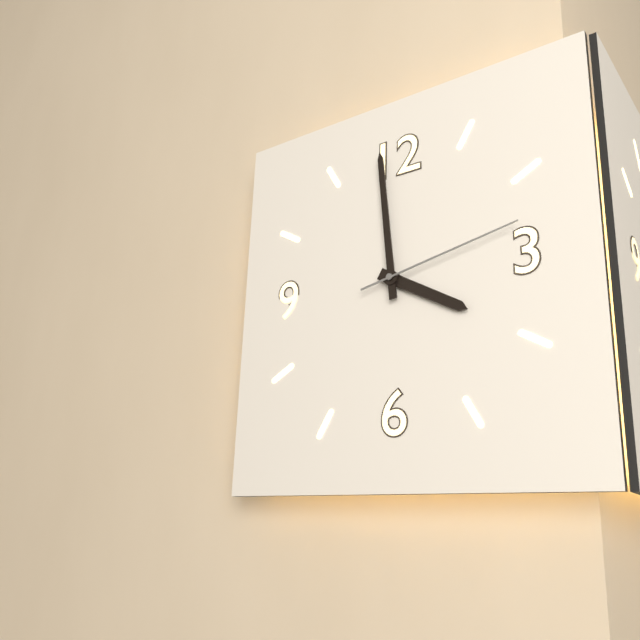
3:59:13
